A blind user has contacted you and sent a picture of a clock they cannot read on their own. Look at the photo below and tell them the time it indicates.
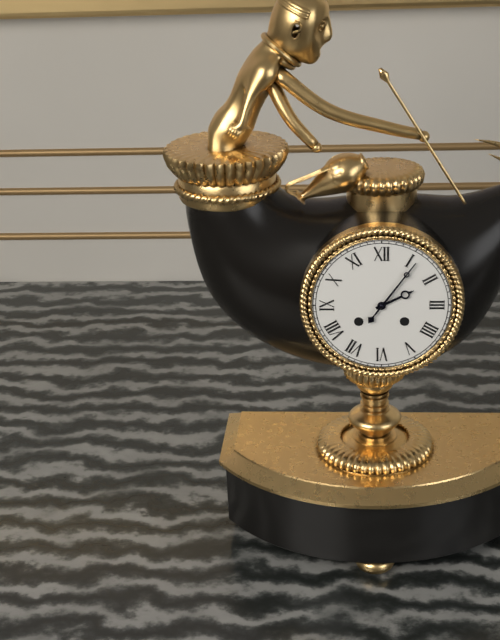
2:06
